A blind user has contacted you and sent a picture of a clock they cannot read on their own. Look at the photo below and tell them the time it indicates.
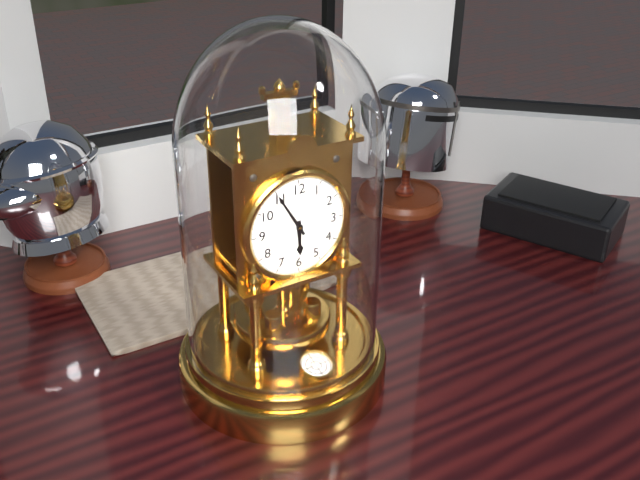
5:55
